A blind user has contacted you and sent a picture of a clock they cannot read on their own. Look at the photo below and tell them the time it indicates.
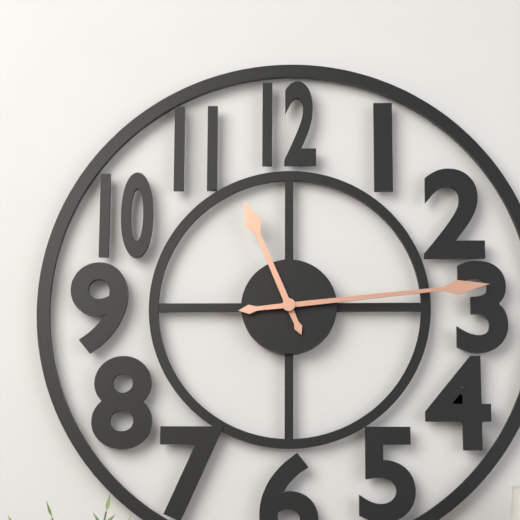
11:14
